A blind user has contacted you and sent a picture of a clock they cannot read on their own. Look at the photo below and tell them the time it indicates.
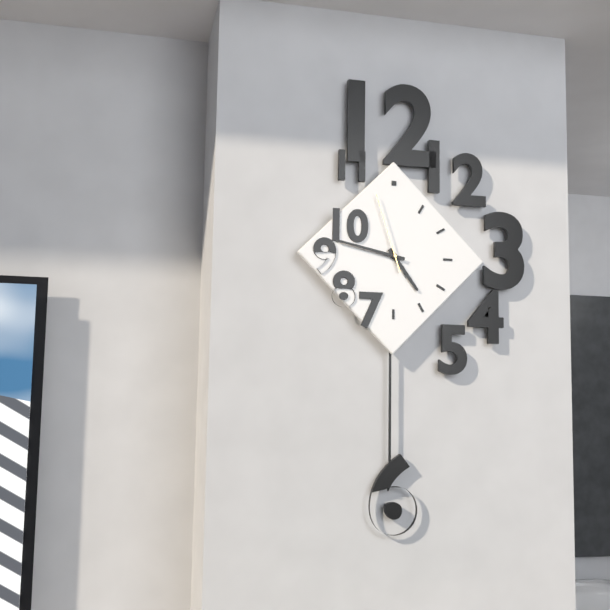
4:47:57
